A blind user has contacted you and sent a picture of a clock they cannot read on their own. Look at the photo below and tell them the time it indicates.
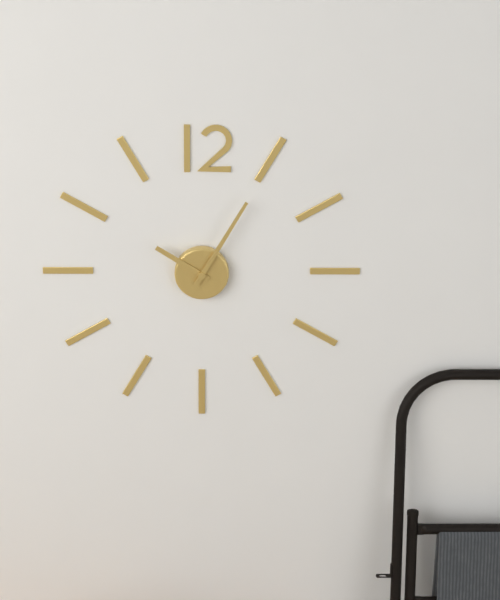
10:05
